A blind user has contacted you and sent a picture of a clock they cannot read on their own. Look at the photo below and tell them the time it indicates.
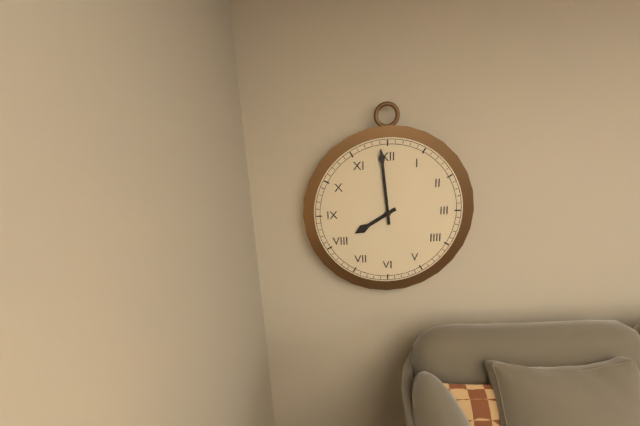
7:59
